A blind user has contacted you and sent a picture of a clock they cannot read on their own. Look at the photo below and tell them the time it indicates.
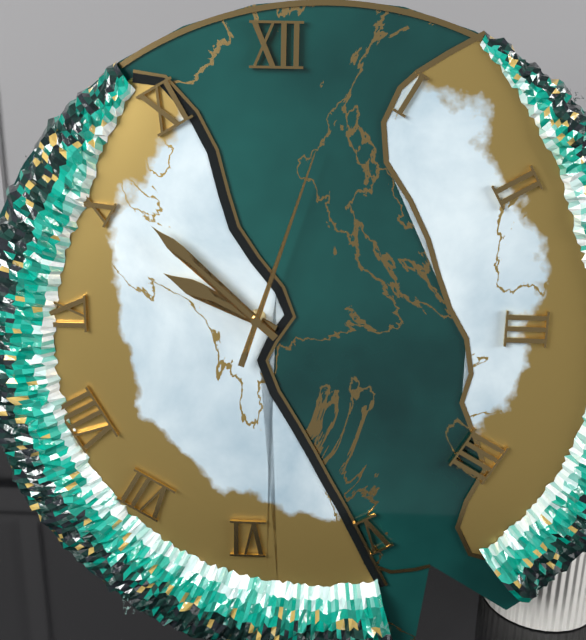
9:52:03
